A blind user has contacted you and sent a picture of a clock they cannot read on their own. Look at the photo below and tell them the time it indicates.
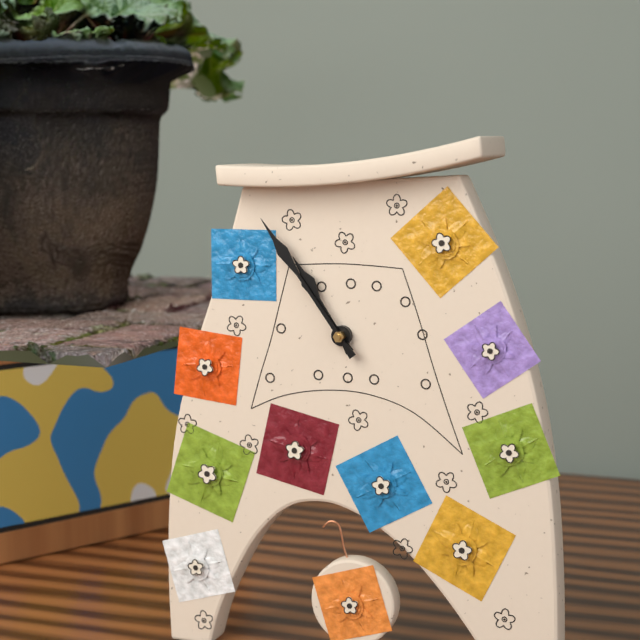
10:54
